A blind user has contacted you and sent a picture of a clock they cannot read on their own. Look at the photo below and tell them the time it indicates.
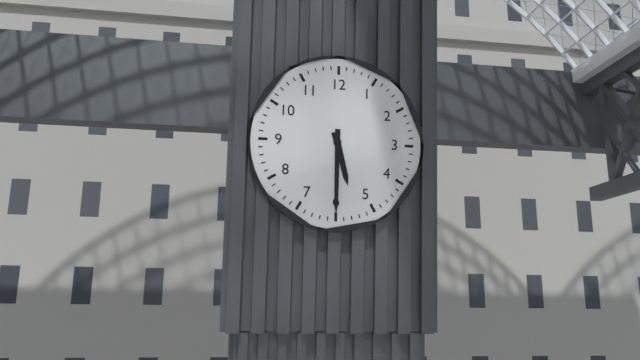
5:30
